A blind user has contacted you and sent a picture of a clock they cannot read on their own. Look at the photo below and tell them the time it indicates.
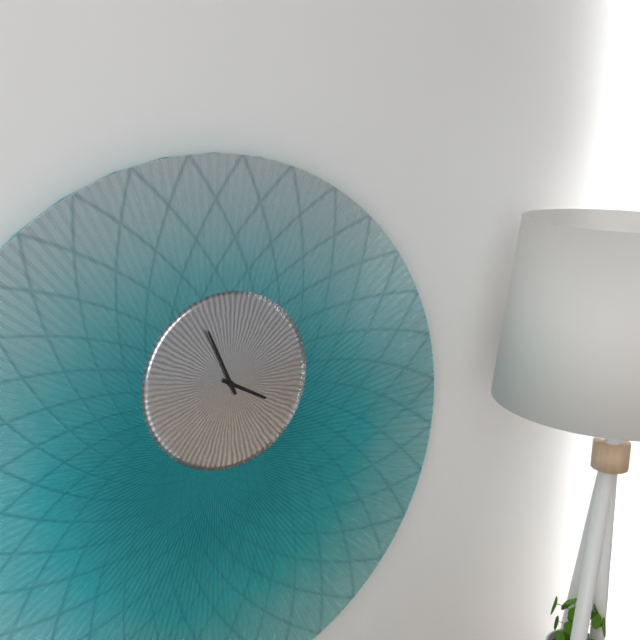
3:56
